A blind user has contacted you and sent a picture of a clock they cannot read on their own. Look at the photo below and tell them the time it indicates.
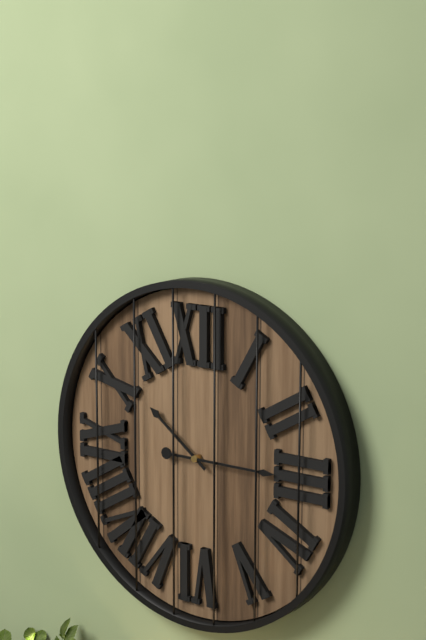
10:15
